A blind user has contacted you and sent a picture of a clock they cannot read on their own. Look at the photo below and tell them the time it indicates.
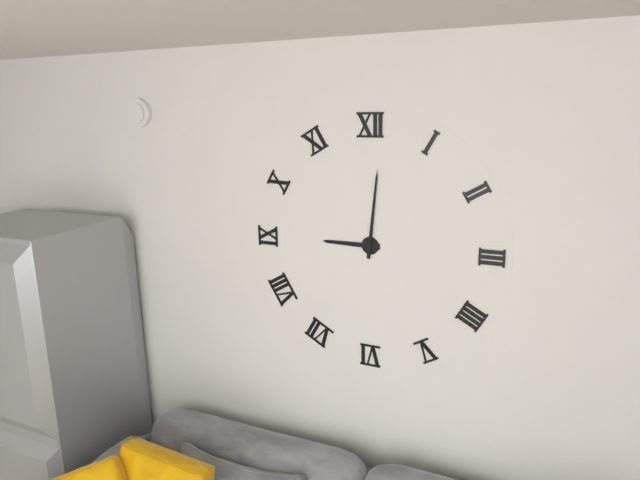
9:01
